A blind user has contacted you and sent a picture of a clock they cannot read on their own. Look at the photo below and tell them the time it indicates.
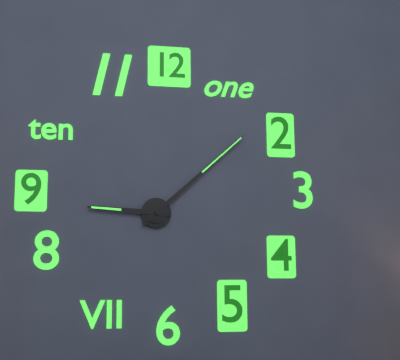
9:08
